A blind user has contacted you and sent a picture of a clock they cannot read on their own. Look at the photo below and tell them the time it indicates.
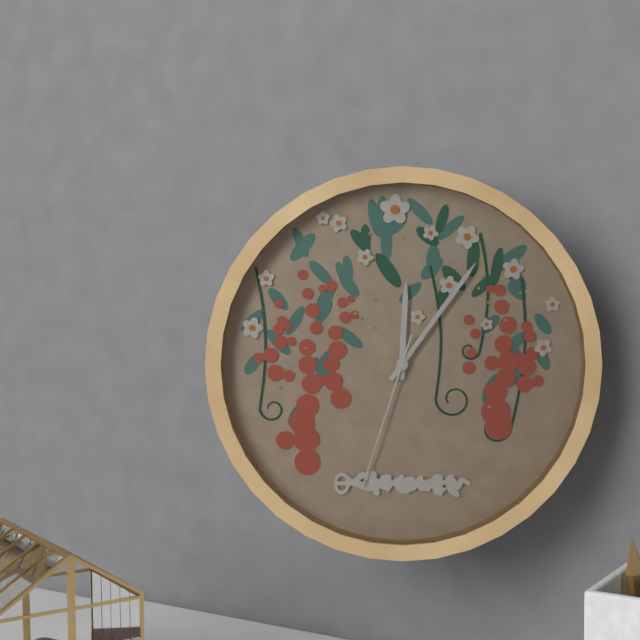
12:06:33
